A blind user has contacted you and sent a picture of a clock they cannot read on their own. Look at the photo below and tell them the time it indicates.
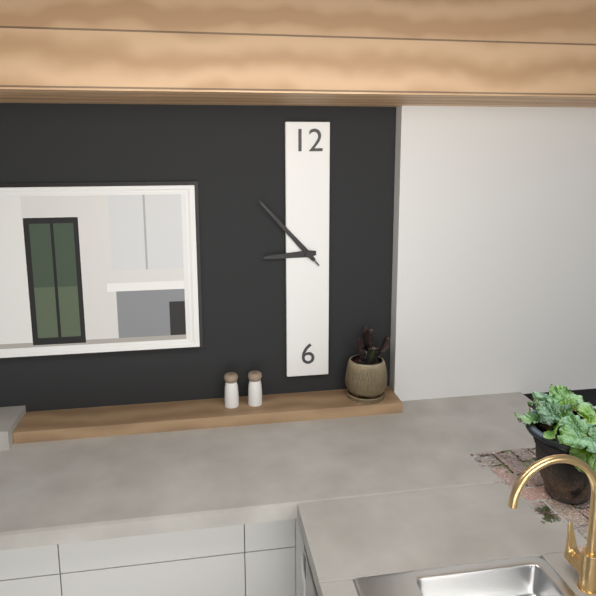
8:53:53
